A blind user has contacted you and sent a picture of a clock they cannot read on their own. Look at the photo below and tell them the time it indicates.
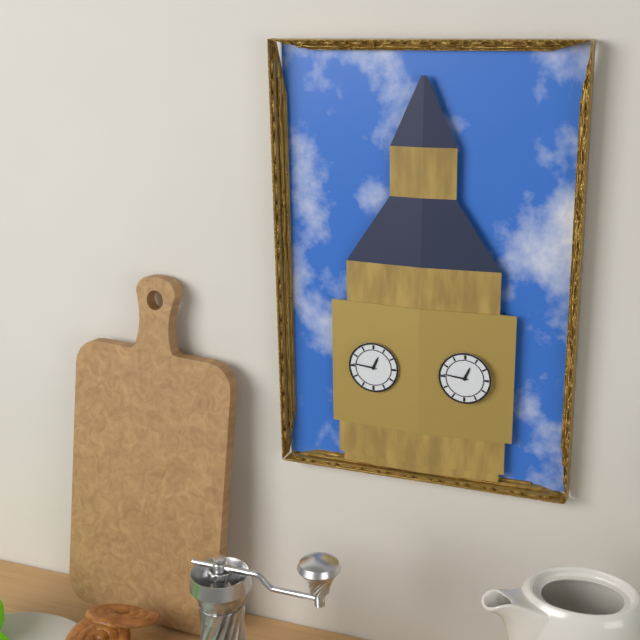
12:46
